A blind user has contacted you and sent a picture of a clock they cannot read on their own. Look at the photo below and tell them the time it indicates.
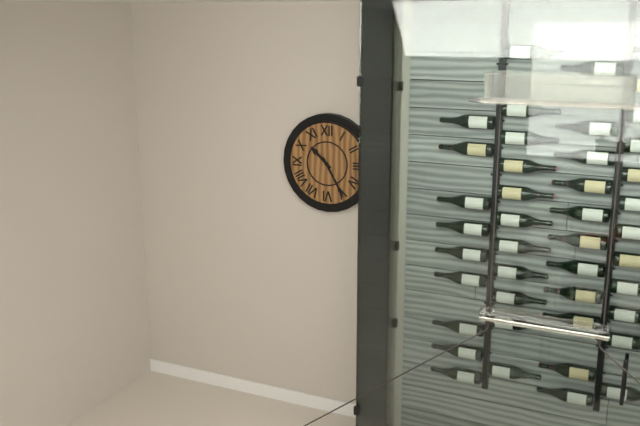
10:25
